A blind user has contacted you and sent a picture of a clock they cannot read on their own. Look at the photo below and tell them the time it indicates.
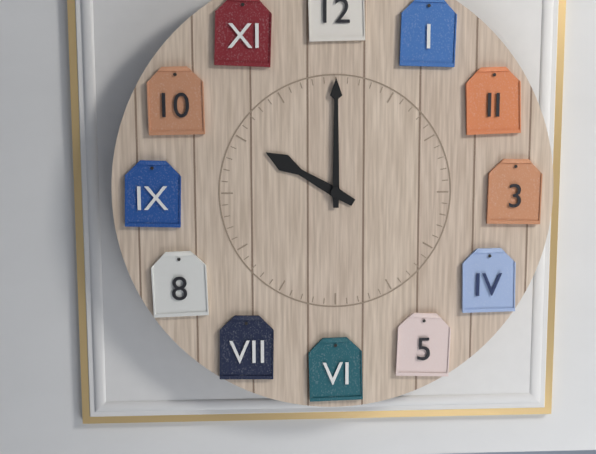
10:00
